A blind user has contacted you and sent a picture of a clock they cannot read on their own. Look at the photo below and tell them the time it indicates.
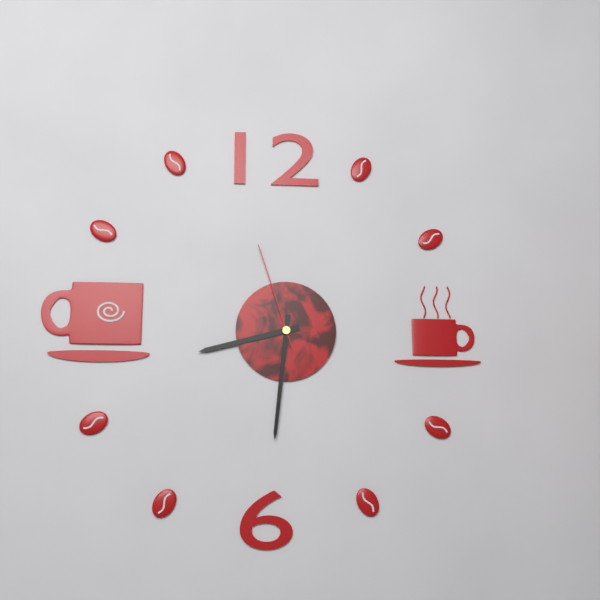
8:31:57
